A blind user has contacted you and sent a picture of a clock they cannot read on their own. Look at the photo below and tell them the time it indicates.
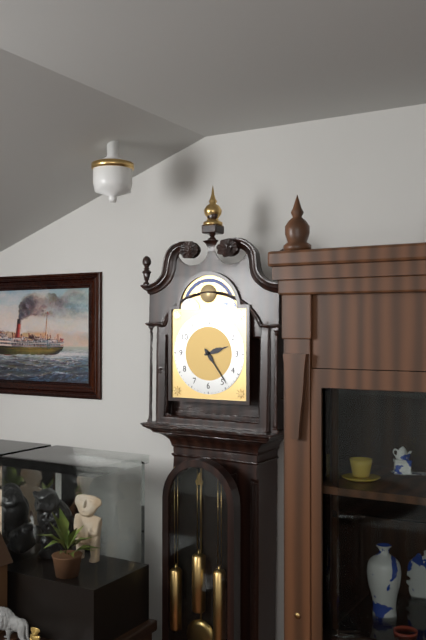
2:24
